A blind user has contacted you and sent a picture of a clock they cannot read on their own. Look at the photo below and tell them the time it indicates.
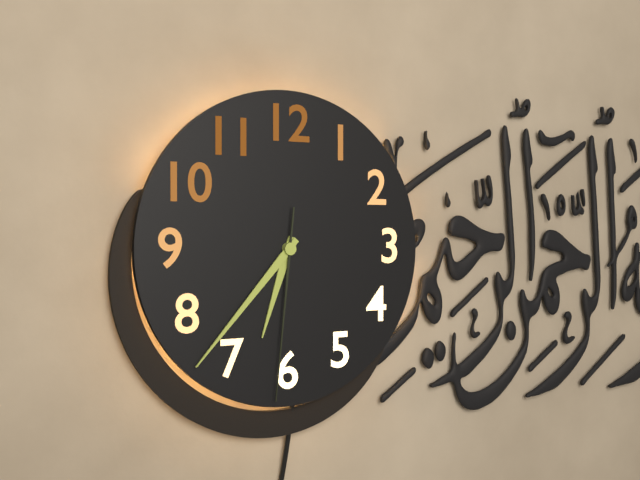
6:37:31
